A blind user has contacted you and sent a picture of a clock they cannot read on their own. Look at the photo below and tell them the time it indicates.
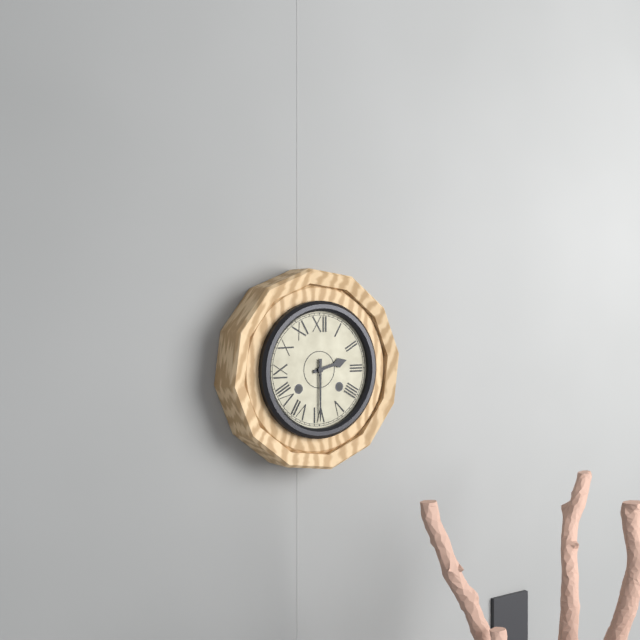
2:30
